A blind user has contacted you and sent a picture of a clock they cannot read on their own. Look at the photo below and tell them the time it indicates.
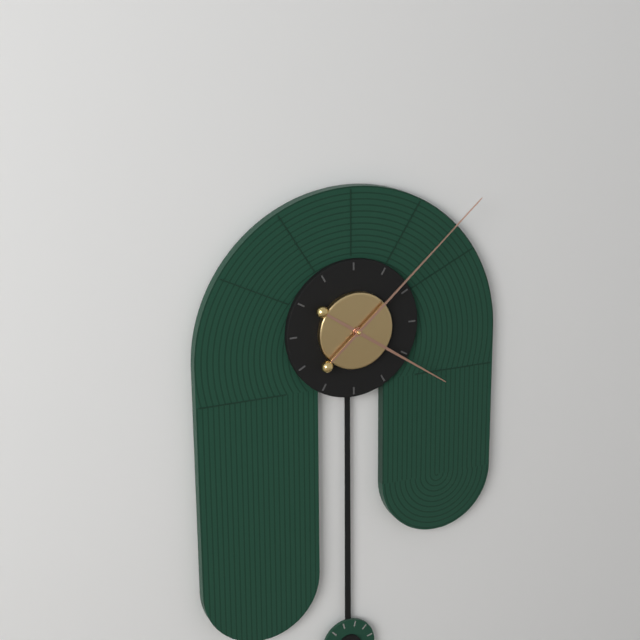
4:08
